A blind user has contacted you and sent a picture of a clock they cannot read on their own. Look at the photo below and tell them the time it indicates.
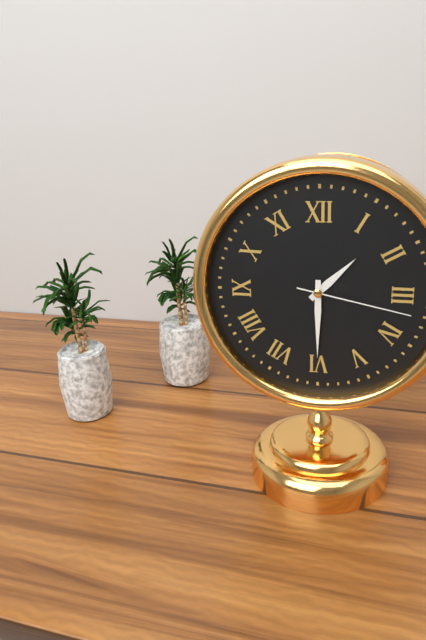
1:30:17
